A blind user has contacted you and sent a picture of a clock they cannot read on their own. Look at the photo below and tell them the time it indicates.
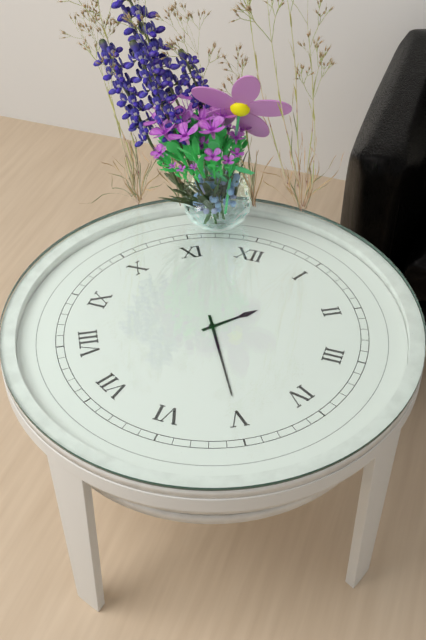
1:25
